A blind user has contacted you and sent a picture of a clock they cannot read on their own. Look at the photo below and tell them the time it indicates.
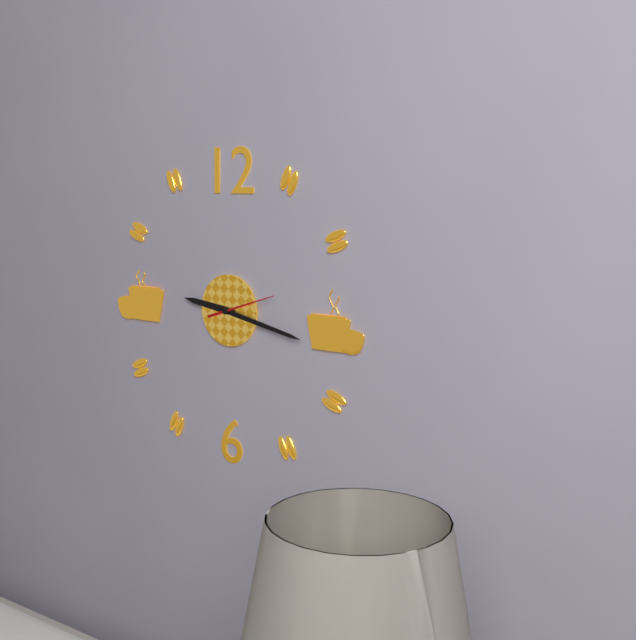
9:17:12
